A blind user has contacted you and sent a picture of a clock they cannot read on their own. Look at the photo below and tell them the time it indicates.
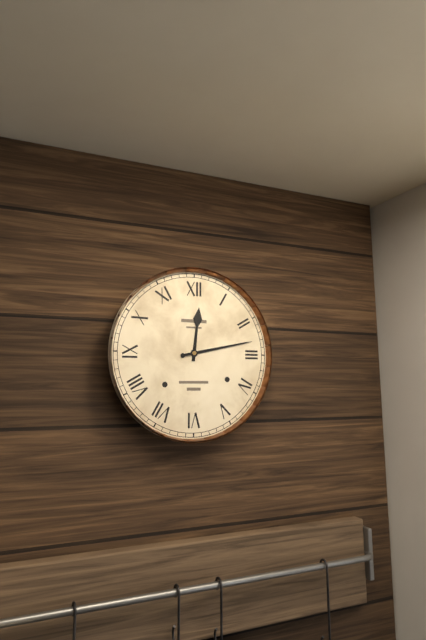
12:13
